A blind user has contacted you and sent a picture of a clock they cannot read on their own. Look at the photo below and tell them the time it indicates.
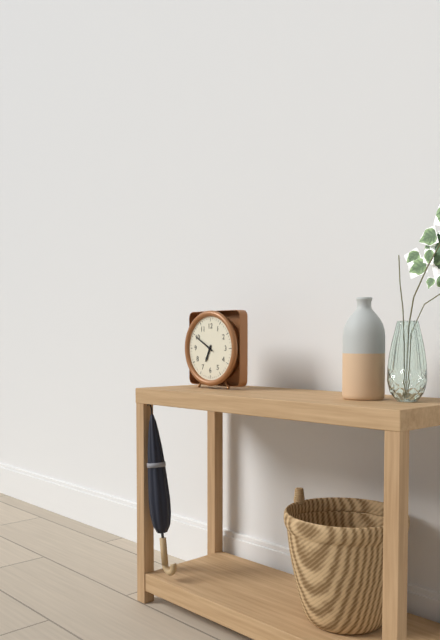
6:50
